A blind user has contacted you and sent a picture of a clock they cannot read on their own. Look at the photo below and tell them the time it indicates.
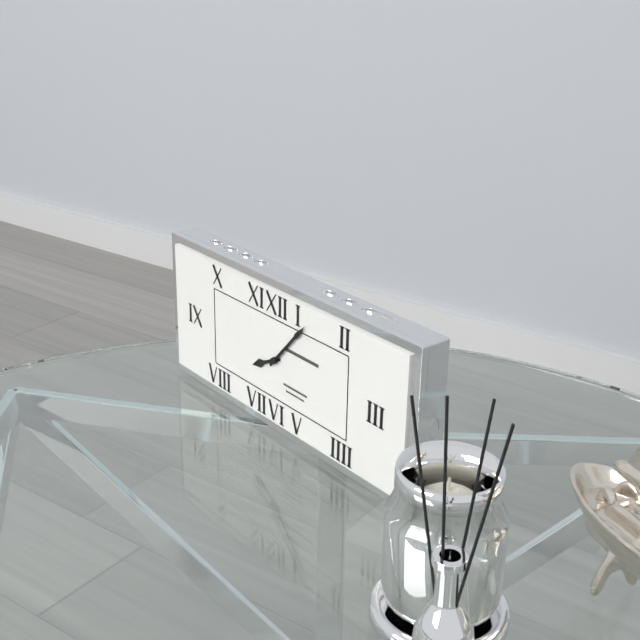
8:07
